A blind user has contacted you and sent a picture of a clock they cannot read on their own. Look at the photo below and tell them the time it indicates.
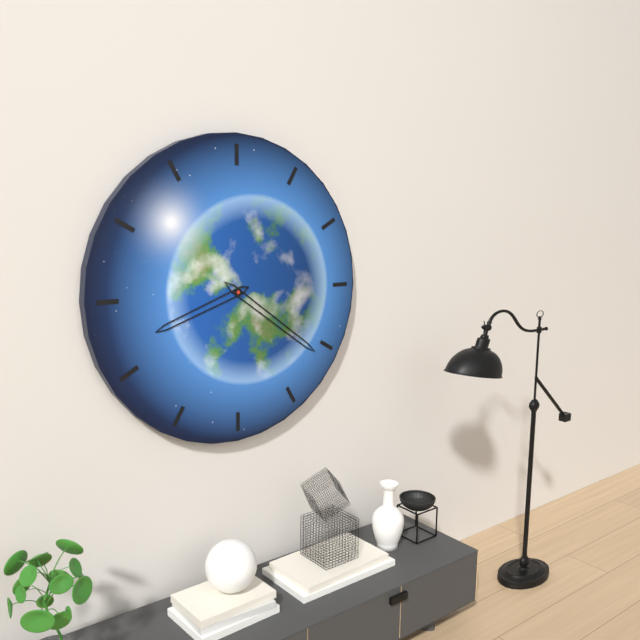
8:21
